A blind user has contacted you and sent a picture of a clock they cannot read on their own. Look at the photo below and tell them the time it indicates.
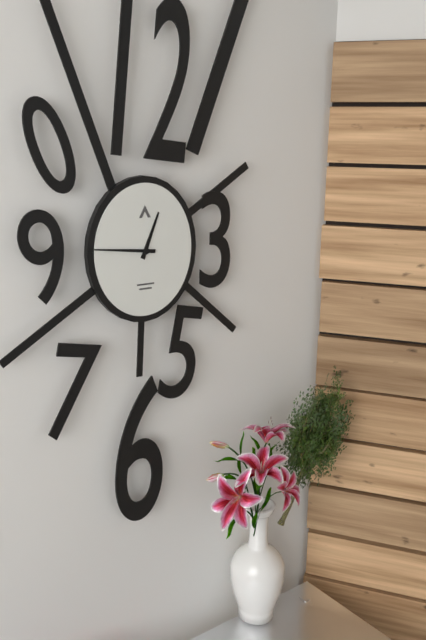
12:46
